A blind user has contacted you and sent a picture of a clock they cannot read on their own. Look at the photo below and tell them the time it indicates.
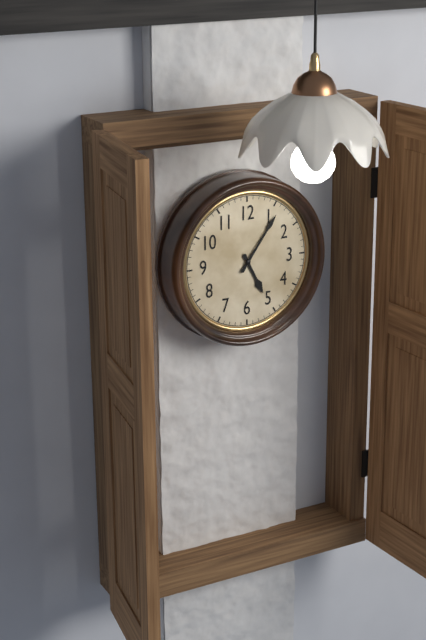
5:06
